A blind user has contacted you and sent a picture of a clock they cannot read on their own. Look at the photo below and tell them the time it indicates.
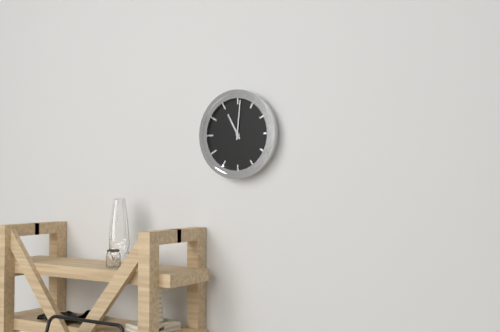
11:01
